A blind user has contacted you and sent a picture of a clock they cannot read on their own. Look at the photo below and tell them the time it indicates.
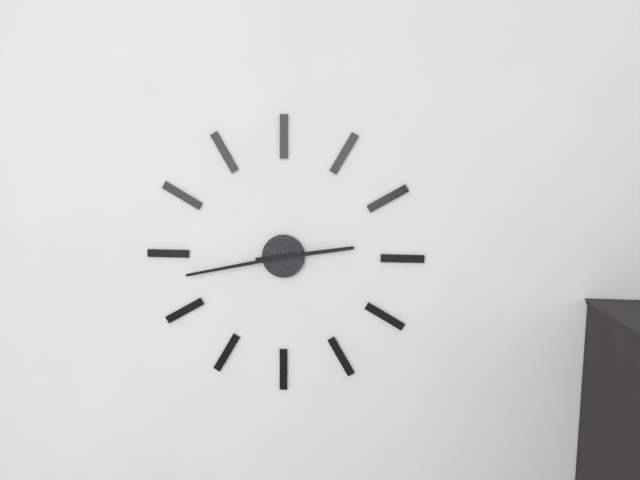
2:43
